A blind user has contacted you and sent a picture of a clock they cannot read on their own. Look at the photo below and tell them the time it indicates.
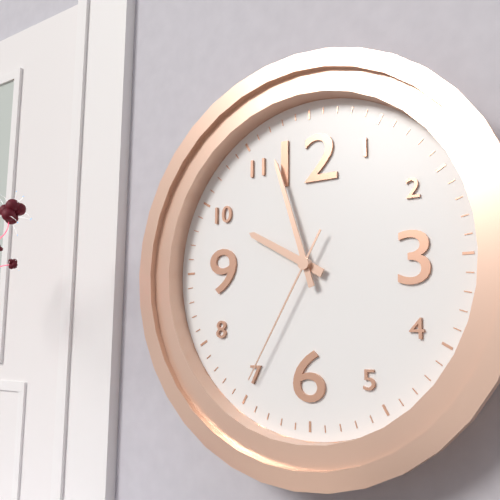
9:57:35
